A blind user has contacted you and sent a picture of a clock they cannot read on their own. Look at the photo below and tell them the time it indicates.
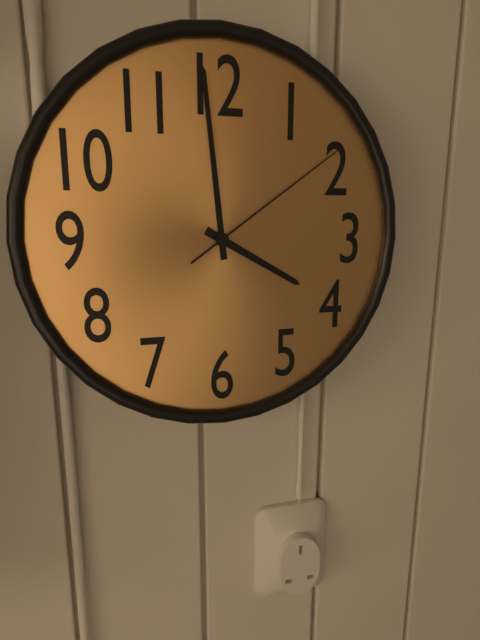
3:59:09
